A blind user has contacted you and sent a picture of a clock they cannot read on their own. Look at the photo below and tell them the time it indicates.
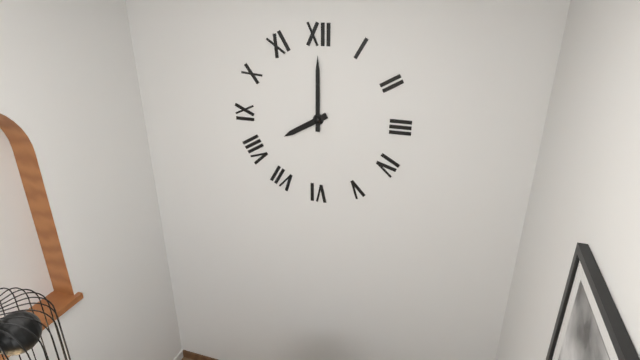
8:00
